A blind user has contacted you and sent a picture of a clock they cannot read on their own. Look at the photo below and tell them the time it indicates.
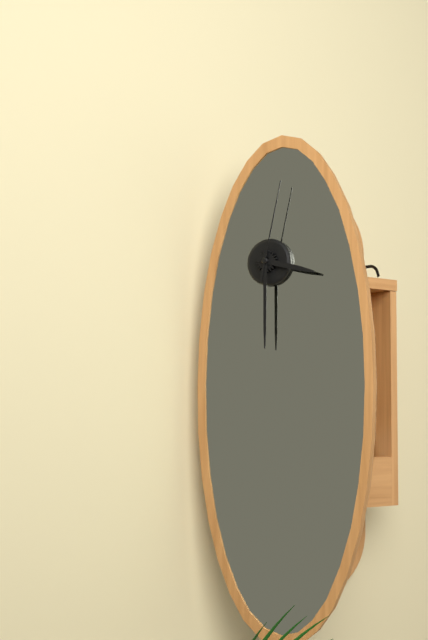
3:30:02
